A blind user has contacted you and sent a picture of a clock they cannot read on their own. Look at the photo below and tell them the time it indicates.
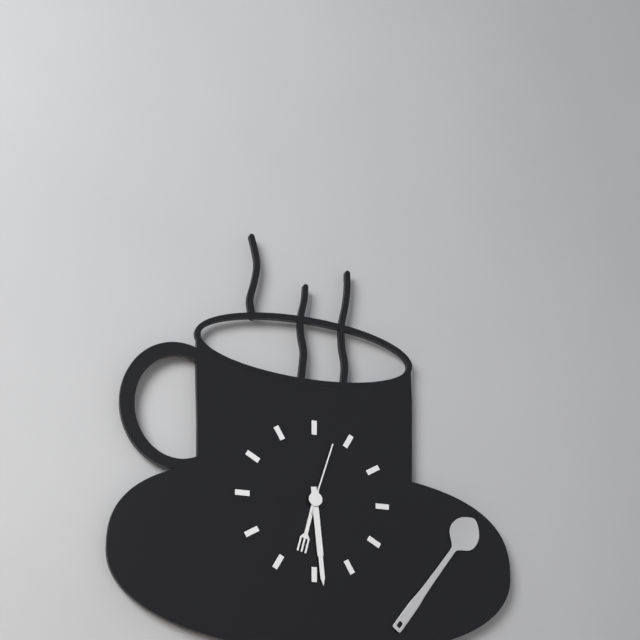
6:29:03
